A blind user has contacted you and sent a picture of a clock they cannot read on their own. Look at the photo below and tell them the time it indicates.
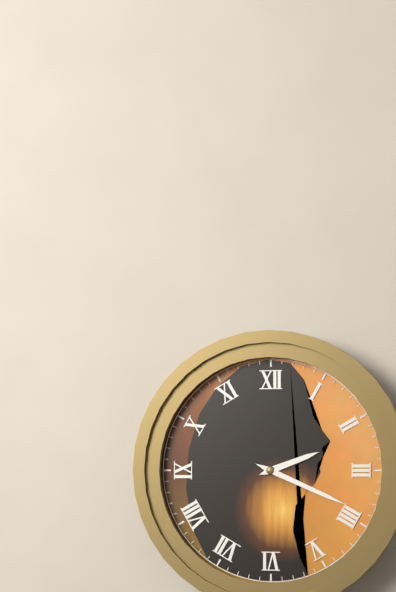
2:19
